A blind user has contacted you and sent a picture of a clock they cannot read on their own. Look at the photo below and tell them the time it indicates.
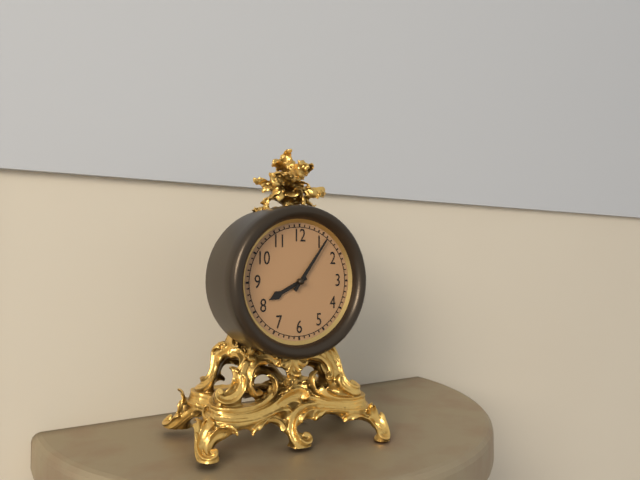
8:06
